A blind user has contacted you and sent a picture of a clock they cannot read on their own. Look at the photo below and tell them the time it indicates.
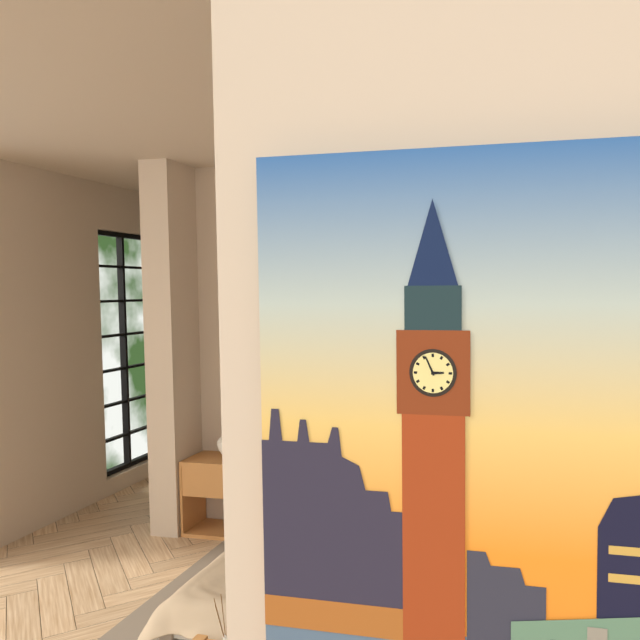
2:56
